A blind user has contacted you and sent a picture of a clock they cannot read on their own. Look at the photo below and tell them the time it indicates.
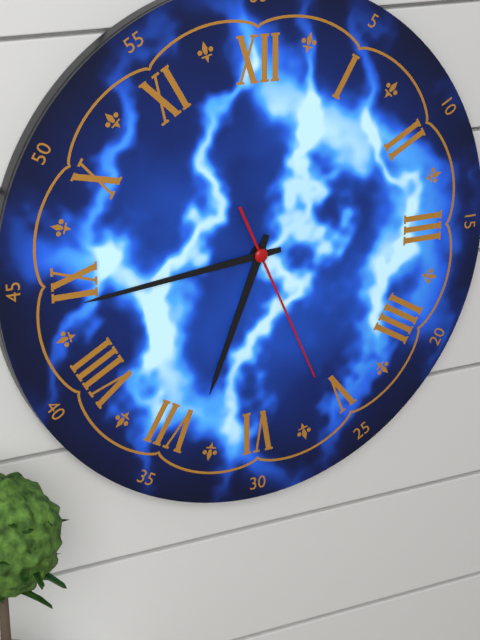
6:44:26
